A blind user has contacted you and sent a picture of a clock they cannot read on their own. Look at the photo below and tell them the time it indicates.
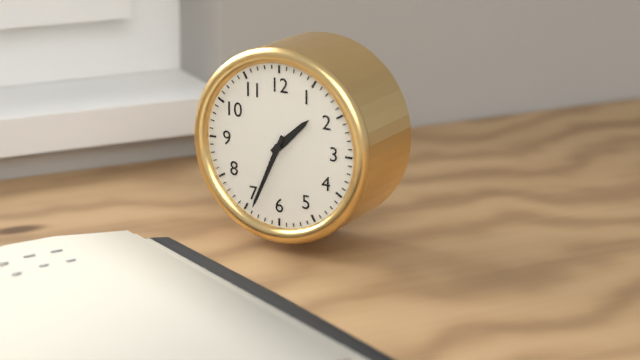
1:34
